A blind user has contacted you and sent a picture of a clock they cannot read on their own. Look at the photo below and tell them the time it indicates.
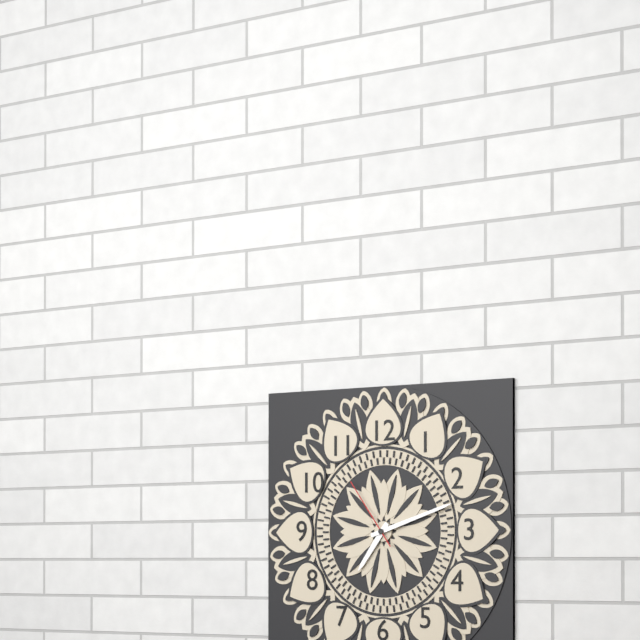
7:12:54
